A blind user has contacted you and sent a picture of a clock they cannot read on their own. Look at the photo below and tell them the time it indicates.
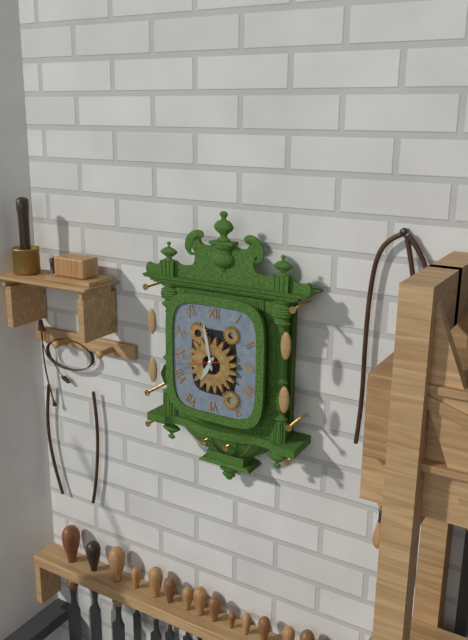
6:58
